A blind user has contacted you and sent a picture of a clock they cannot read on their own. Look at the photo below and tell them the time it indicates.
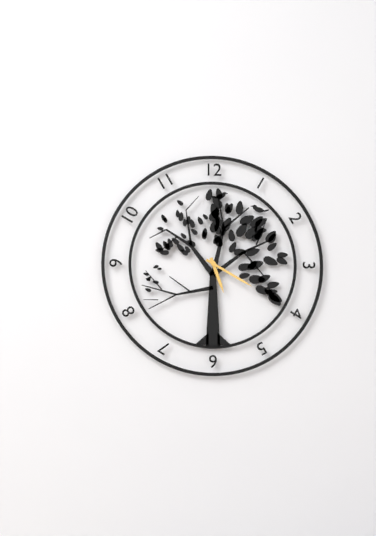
5:20
